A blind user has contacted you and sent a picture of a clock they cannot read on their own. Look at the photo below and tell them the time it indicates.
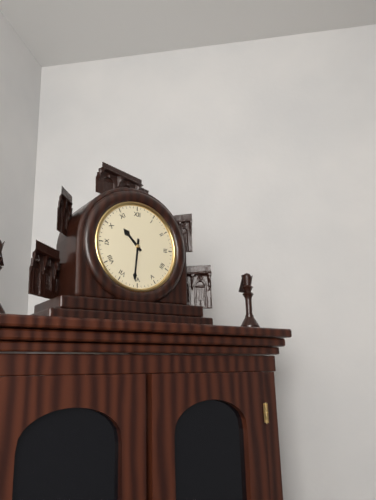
10:31
